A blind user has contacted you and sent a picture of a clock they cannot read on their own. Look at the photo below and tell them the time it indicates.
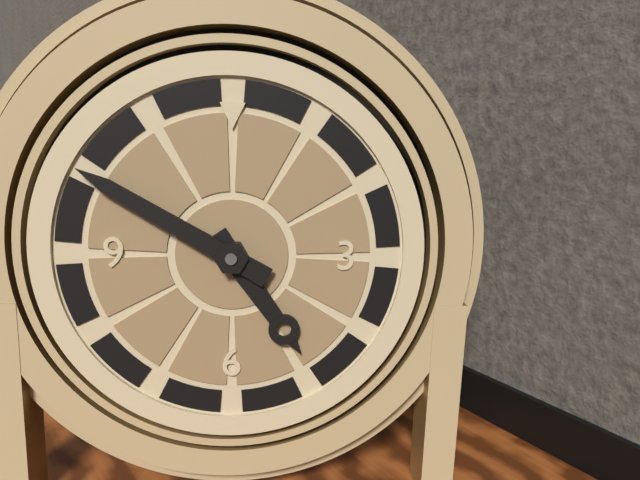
4:50
